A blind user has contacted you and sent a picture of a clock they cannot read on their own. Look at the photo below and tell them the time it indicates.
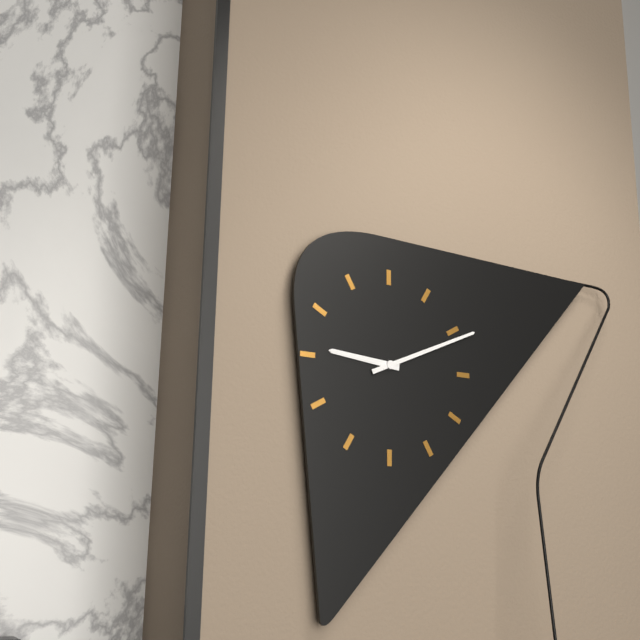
9:11
